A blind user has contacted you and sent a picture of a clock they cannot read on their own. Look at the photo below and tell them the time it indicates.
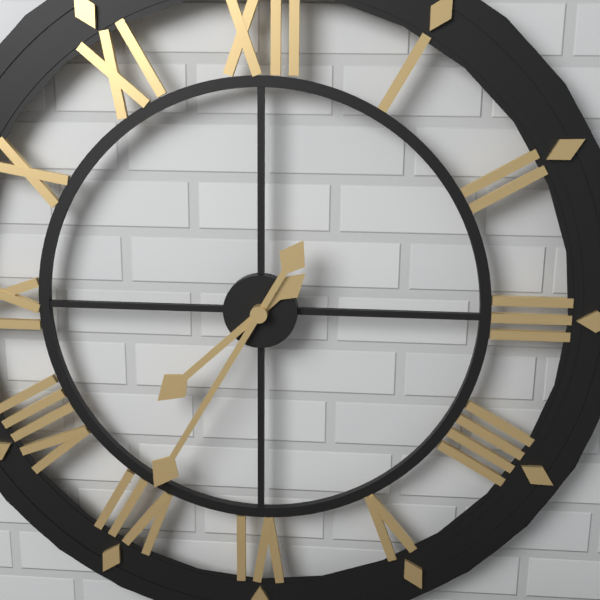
7:35
